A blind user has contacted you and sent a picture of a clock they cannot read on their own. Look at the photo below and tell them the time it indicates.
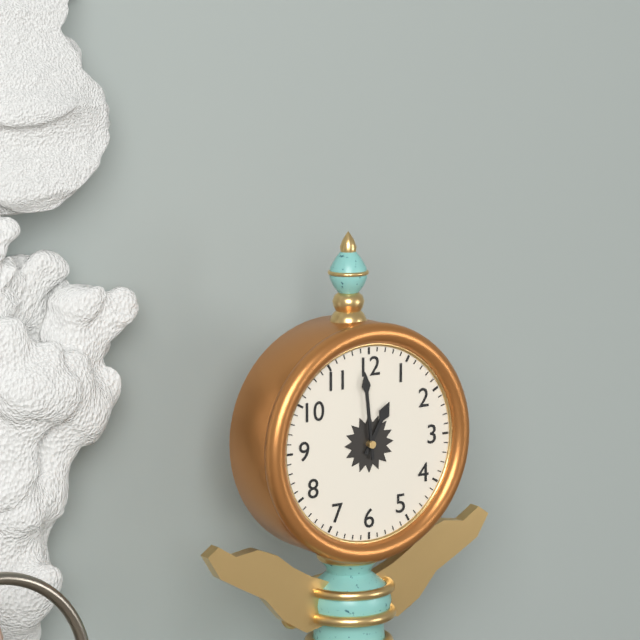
12:59
